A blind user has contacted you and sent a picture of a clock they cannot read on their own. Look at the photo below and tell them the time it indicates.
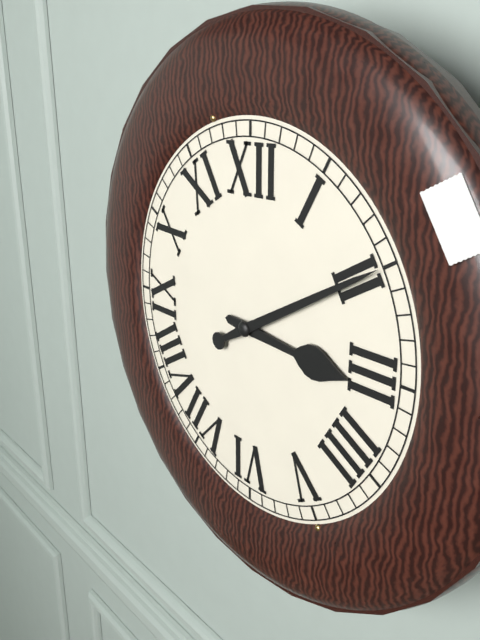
3:10
